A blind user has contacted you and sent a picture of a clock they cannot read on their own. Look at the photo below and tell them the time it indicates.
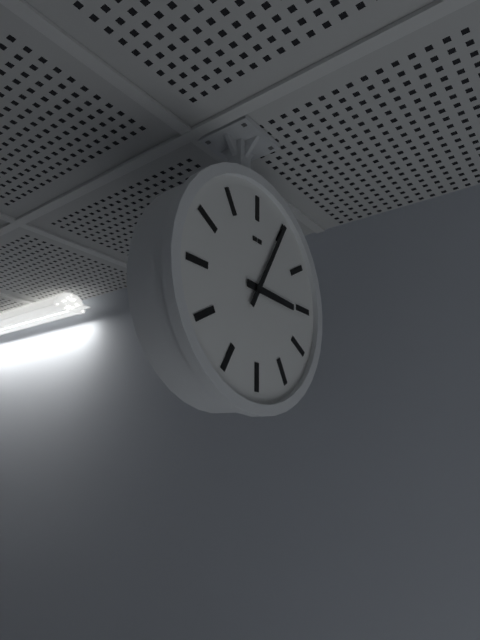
3:05
